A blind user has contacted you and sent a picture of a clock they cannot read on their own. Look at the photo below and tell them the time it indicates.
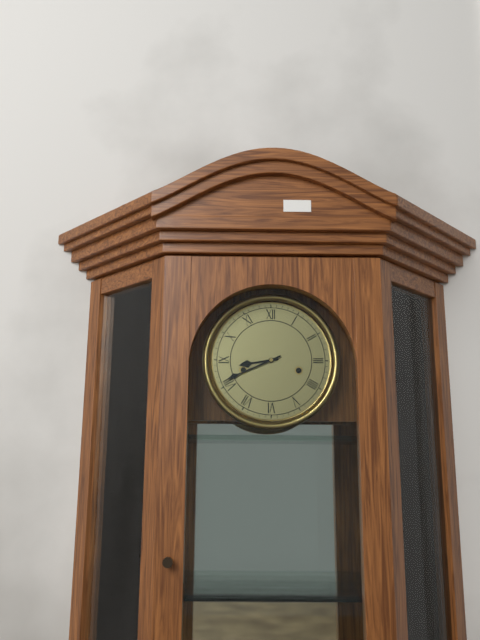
8:41
